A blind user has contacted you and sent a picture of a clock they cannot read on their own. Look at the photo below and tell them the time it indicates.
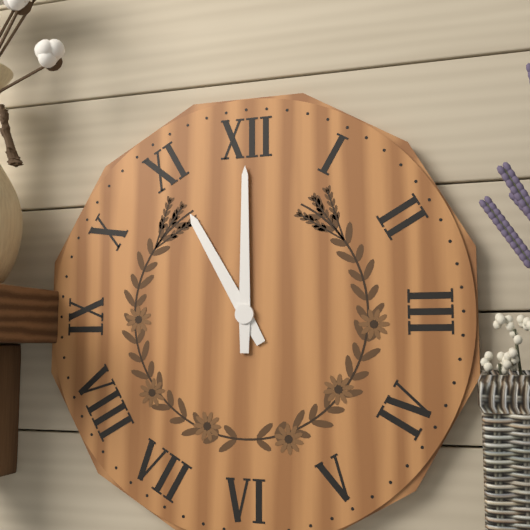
11:00
